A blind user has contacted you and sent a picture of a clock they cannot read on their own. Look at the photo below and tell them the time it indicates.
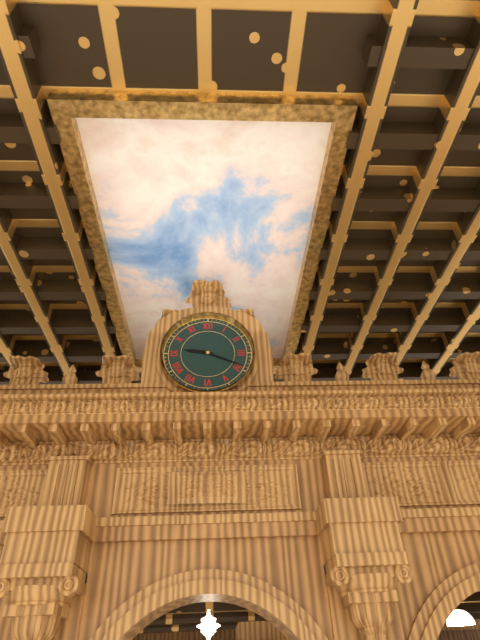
9:19
